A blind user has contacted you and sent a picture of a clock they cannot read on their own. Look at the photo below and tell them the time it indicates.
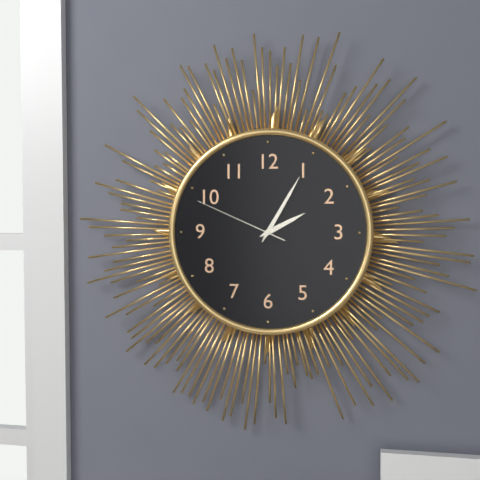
2:05:49
